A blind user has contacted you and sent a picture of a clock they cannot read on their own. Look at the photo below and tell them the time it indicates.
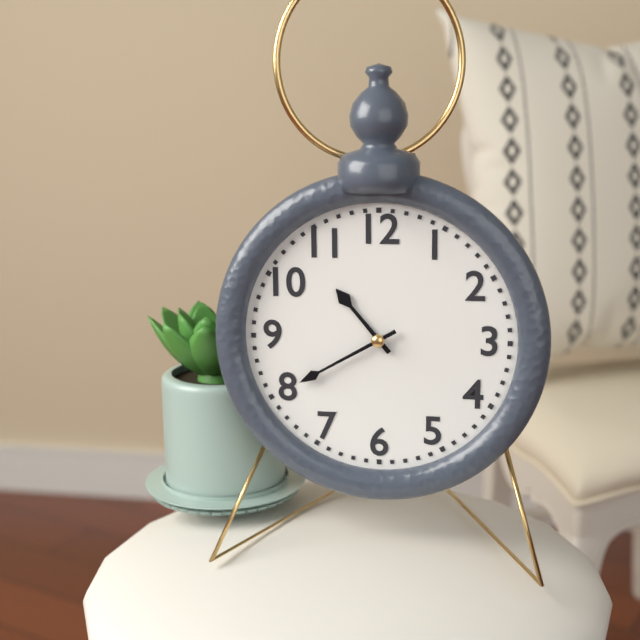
10:40
